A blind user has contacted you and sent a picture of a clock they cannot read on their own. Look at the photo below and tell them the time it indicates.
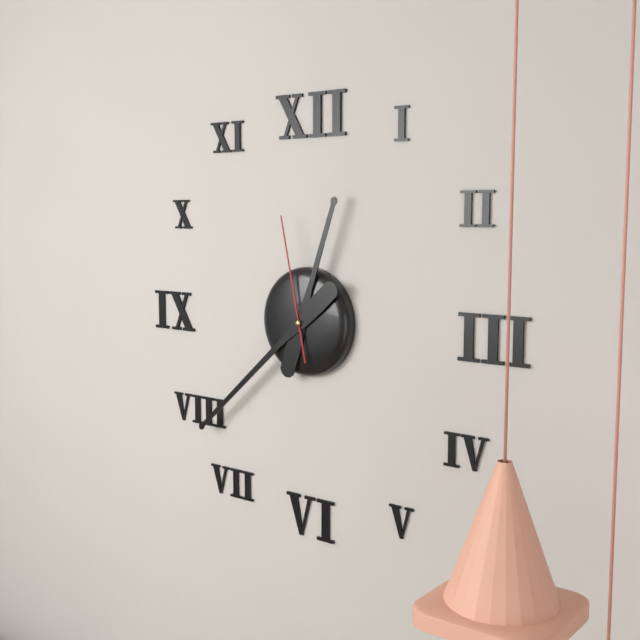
12:38:58
